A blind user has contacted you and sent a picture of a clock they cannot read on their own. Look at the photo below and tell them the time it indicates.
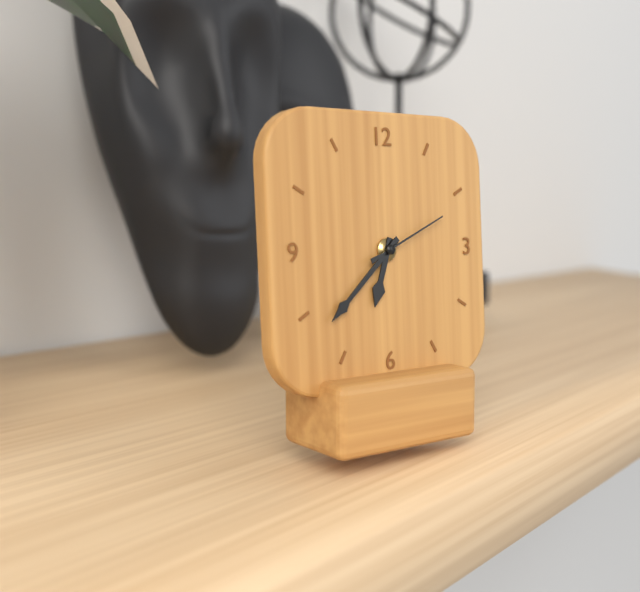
6:38:11
